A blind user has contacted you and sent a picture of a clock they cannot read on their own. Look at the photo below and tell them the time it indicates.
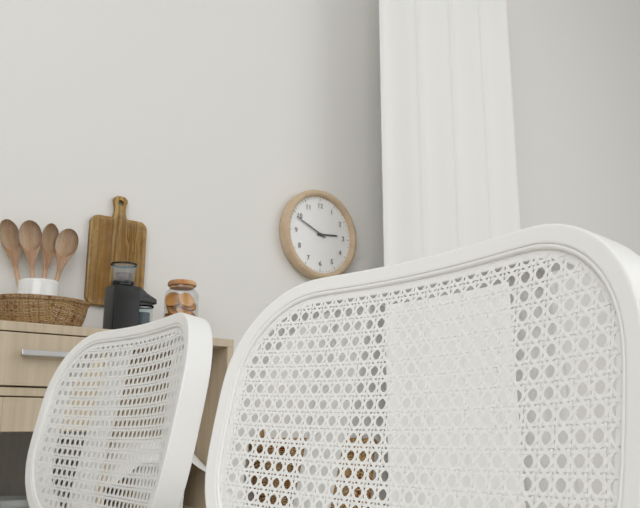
2:49
